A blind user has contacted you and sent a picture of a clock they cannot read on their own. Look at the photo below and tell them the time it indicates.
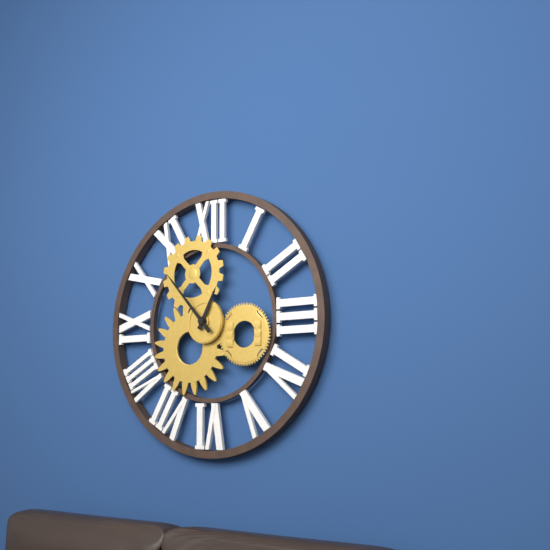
12:53
